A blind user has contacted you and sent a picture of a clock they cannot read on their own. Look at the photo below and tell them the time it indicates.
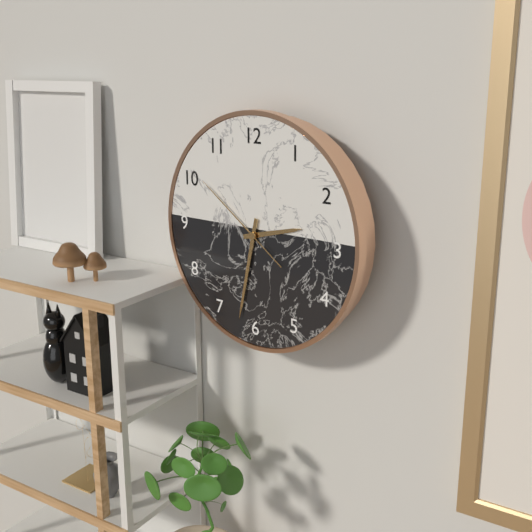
2:32:51
